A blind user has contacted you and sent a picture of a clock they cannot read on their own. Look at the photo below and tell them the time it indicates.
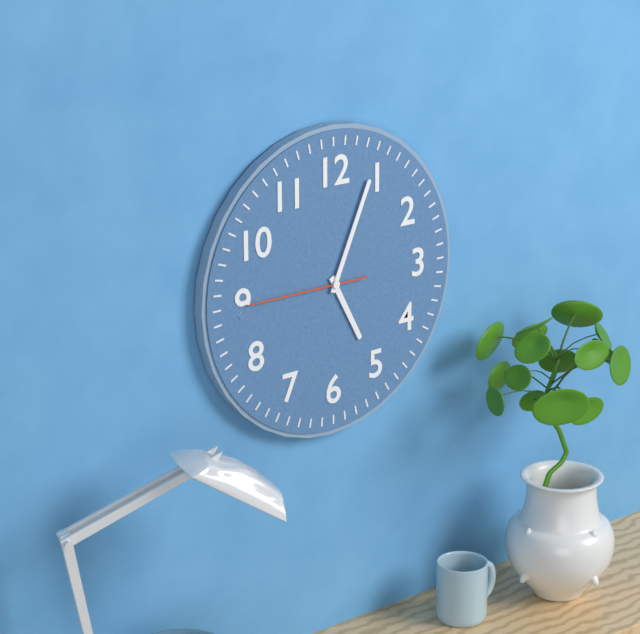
5:04:45
